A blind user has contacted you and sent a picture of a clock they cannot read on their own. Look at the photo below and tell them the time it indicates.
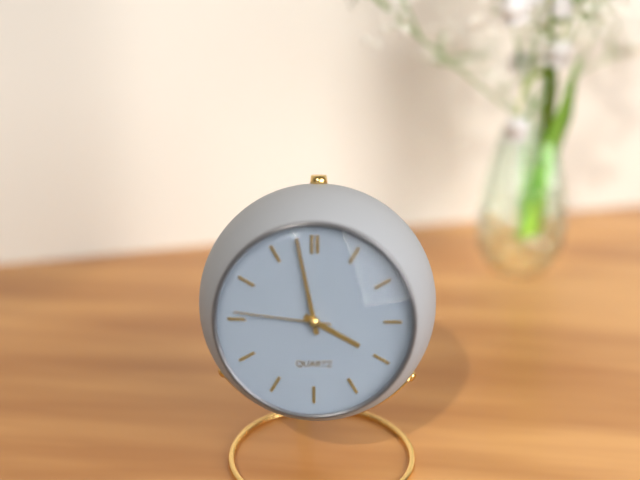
3:58:46
